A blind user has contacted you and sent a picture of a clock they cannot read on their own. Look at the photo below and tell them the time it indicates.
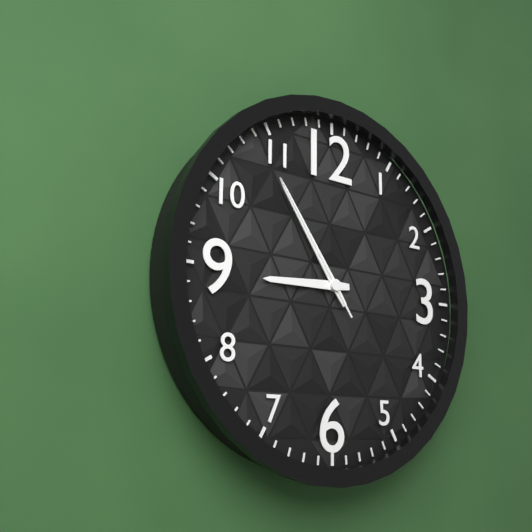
8:54:54
